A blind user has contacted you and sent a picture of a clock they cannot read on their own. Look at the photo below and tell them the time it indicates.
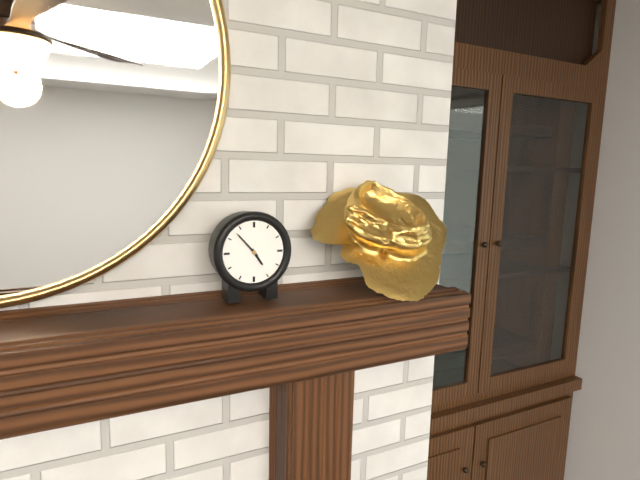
4:53
